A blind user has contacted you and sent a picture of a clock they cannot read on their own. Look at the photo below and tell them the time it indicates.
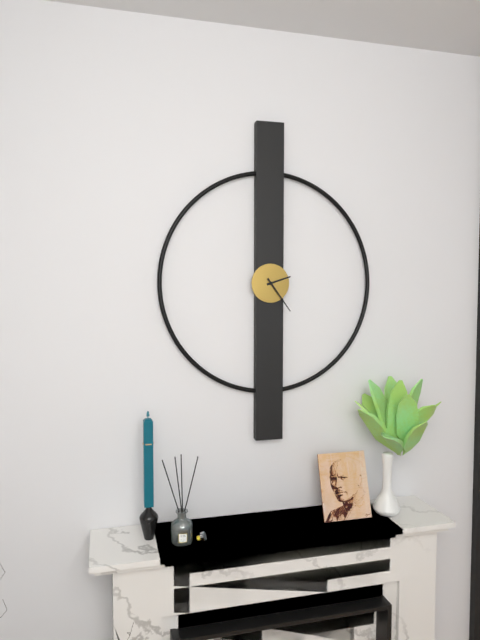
2:24
